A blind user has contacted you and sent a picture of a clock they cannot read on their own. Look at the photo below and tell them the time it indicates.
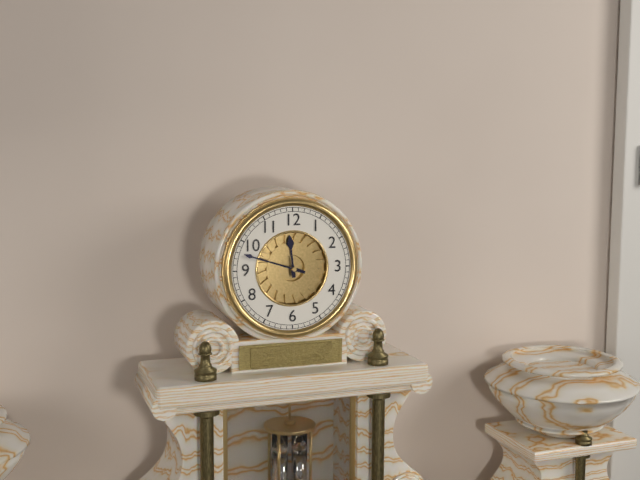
11:48
